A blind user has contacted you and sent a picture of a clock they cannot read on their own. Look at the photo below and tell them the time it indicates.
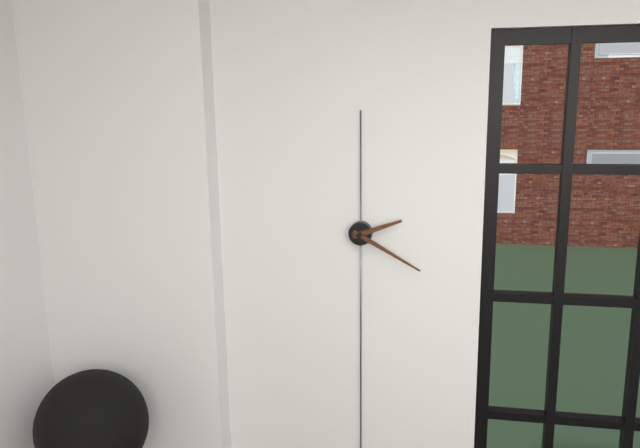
2:20
